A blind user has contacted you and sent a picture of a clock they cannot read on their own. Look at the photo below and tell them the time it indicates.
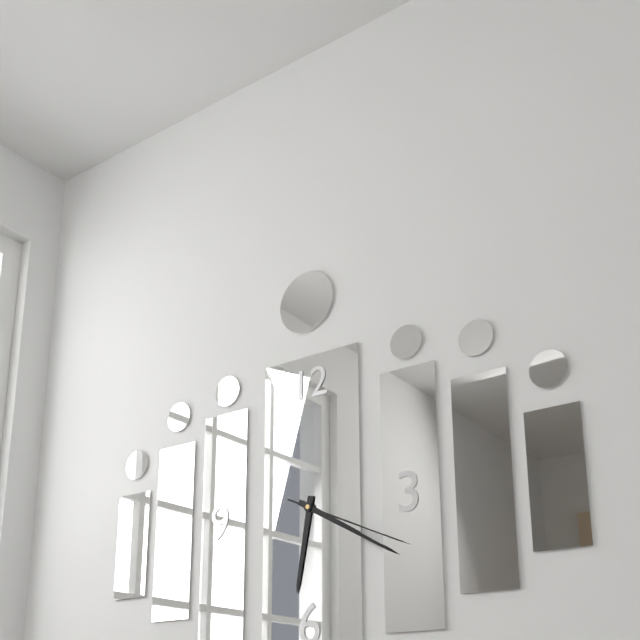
6:20:19
